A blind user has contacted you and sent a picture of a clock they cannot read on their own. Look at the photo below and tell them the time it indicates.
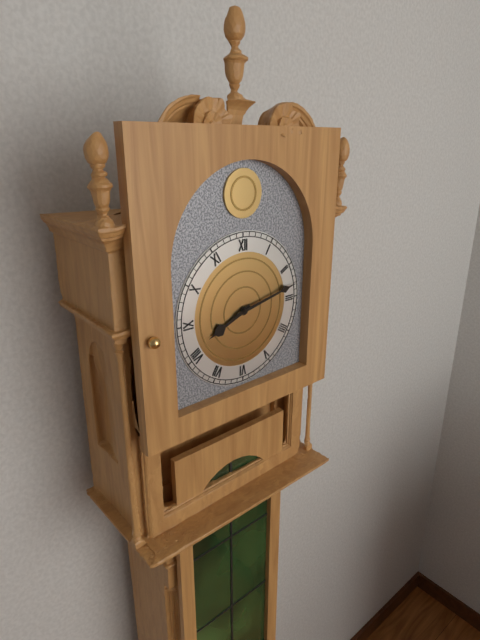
8:13
